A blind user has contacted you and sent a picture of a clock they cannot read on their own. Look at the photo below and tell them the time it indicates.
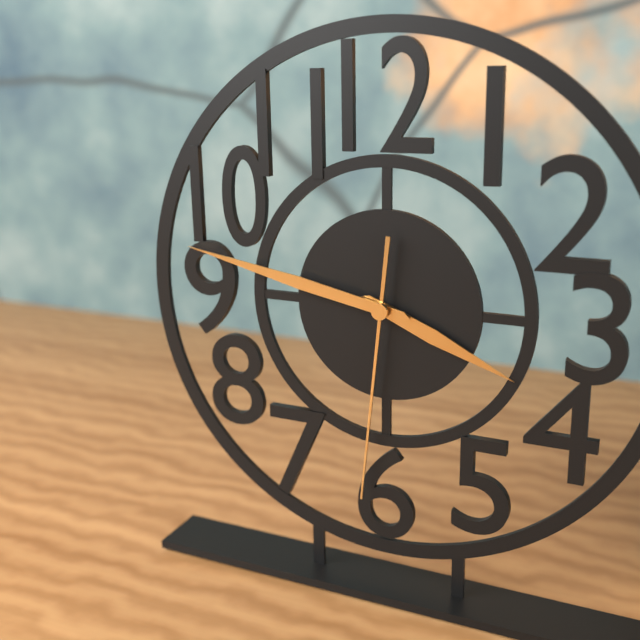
3:47:31
